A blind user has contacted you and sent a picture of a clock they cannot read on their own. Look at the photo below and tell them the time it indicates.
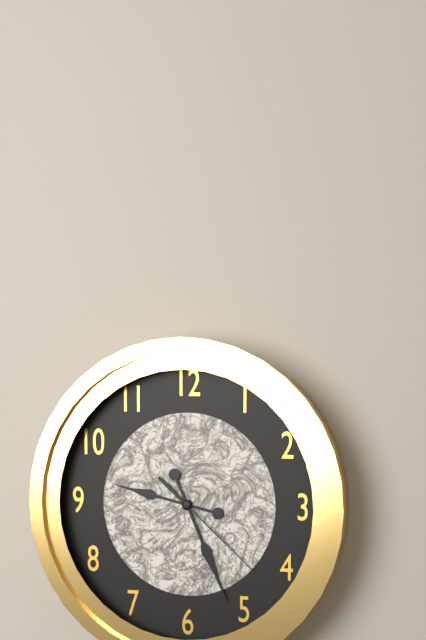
9:26:22
